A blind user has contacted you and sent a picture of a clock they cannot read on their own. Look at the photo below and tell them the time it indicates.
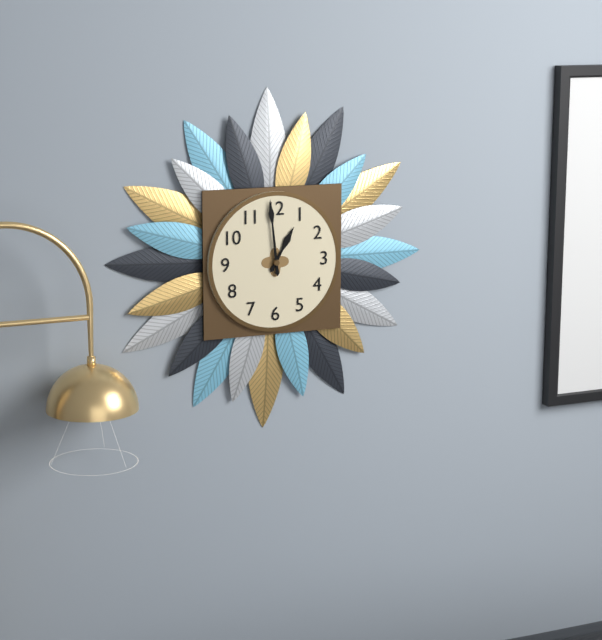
12:59
